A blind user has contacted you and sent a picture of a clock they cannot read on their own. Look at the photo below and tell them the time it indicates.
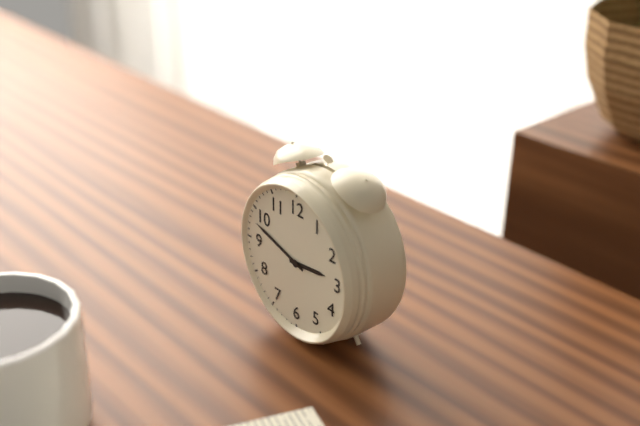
2:48
